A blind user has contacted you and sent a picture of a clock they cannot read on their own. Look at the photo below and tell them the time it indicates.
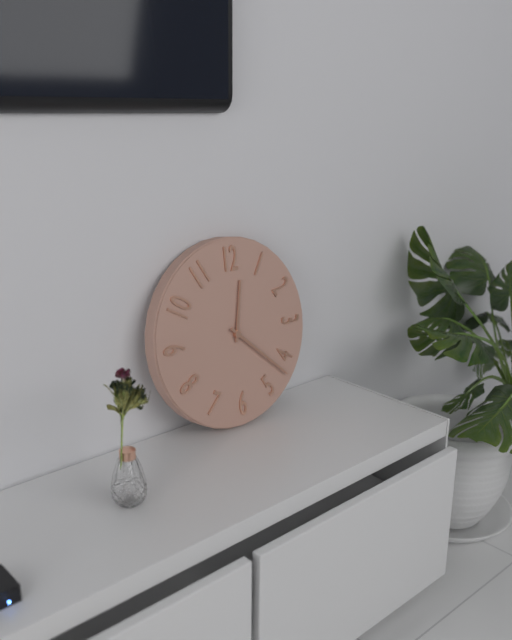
12:22
